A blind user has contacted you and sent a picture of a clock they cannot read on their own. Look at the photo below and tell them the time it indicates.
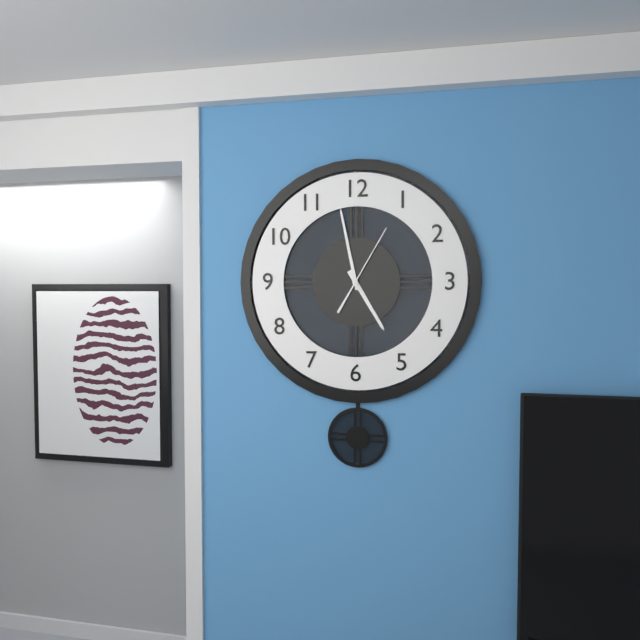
4:58:05
